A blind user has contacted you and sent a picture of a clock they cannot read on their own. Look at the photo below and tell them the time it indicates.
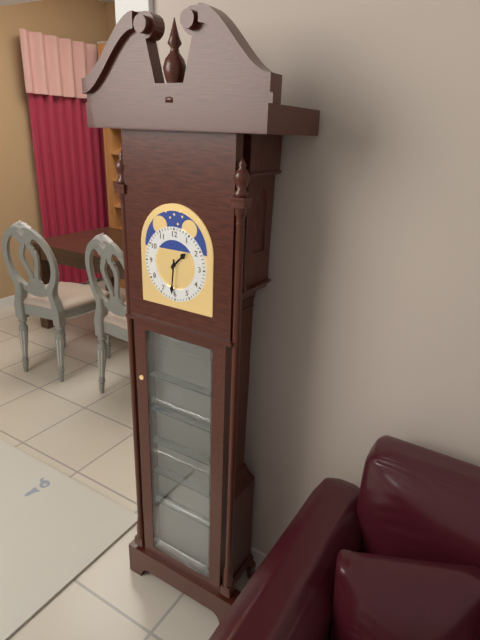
1:31
